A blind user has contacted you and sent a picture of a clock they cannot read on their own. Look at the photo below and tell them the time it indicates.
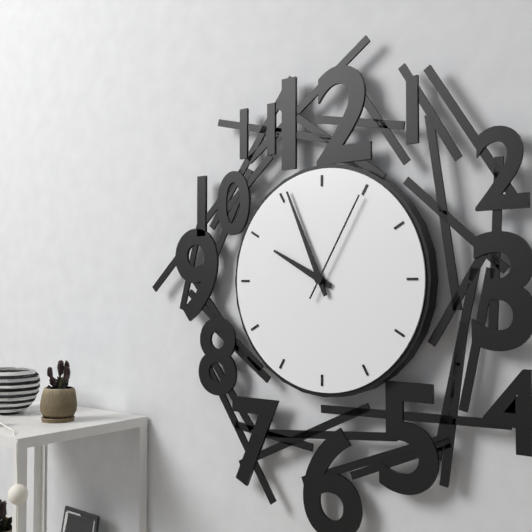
9:56:05
